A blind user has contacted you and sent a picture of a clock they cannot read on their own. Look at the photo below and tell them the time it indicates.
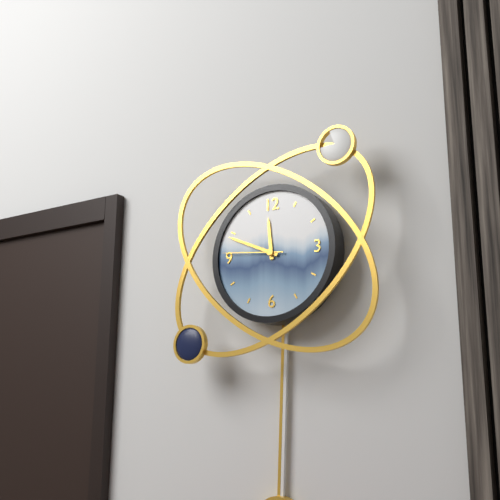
11:49:46
